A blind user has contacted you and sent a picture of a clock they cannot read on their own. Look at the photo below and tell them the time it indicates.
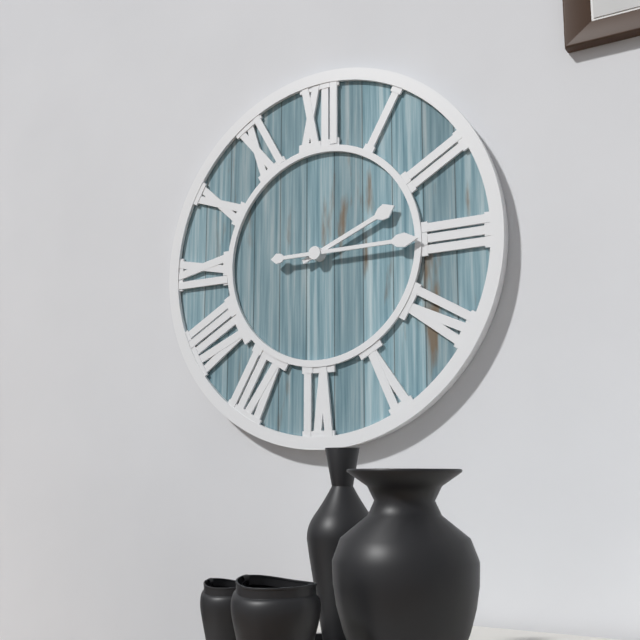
2:15
